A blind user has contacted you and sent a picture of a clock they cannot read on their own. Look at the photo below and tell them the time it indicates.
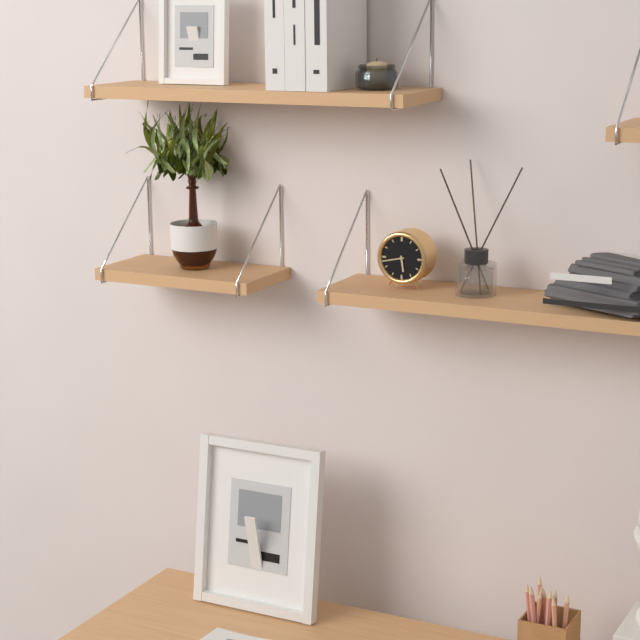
5:43
